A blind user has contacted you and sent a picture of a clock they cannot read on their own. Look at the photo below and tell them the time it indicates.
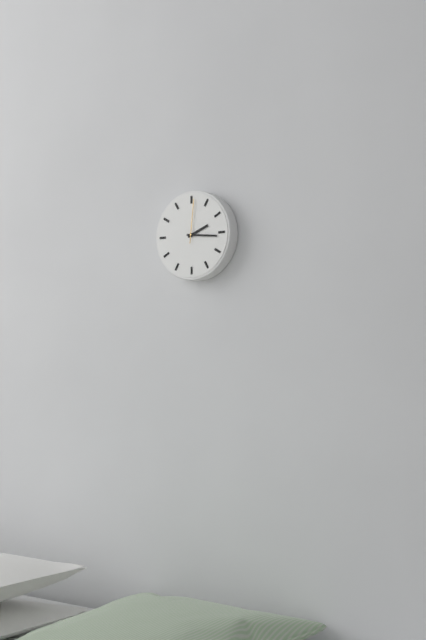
2:16
